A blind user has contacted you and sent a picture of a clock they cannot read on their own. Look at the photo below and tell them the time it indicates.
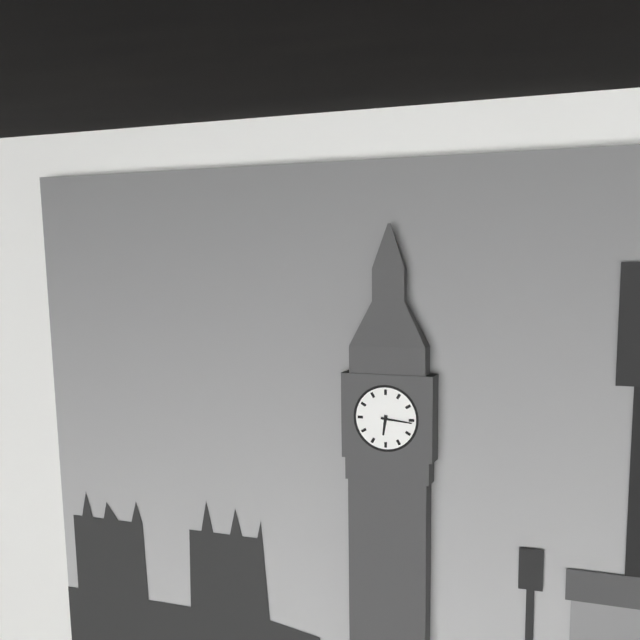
6:16
